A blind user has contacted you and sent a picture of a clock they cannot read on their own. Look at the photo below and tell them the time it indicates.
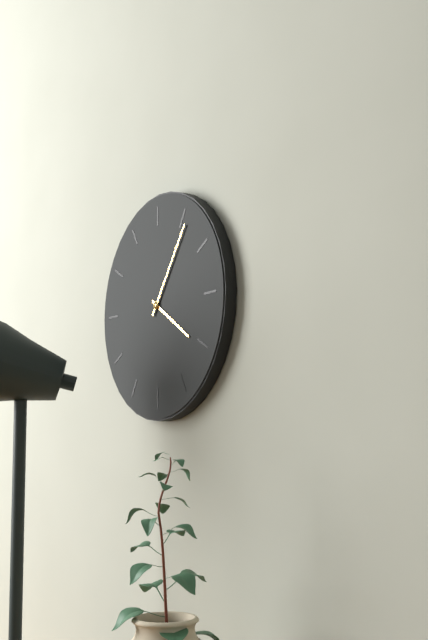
4:06
